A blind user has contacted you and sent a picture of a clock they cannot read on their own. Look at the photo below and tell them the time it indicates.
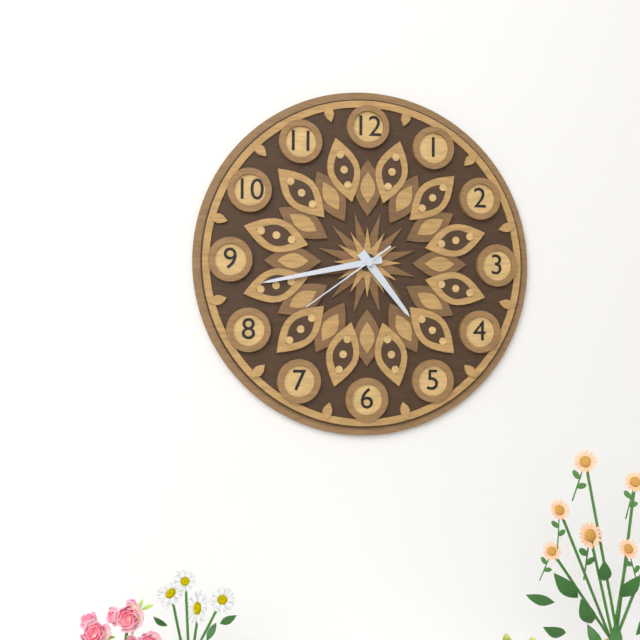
4:43:39
